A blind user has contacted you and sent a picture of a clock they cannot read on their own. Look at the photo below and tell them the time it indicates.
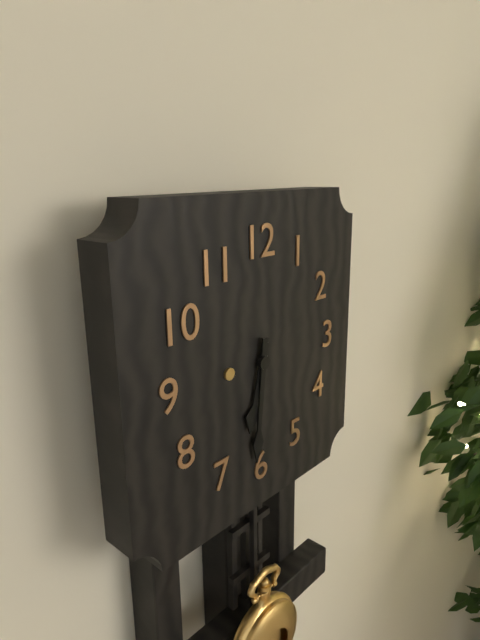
6:31
